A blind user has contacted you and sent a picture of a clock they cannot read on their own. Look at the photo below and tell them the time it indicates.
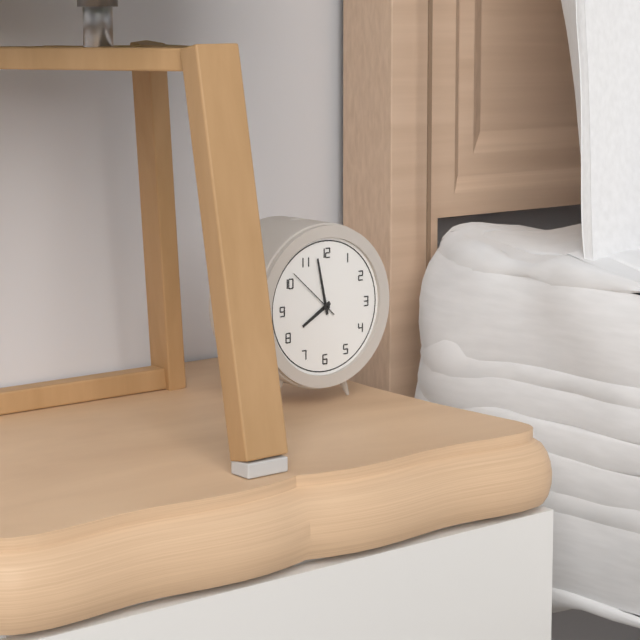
7:58:52
